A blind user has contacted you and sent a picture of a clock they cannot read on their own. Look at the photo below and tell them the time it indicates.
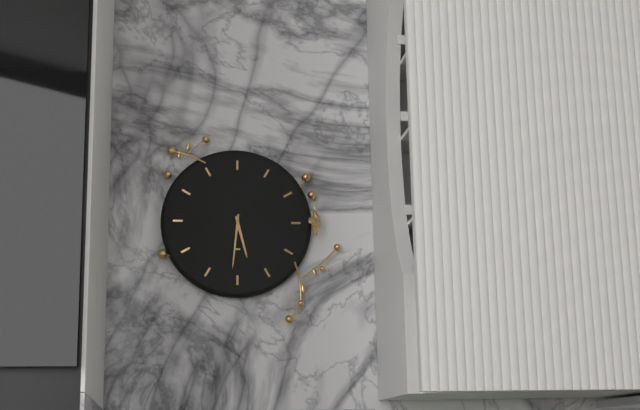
5:31
